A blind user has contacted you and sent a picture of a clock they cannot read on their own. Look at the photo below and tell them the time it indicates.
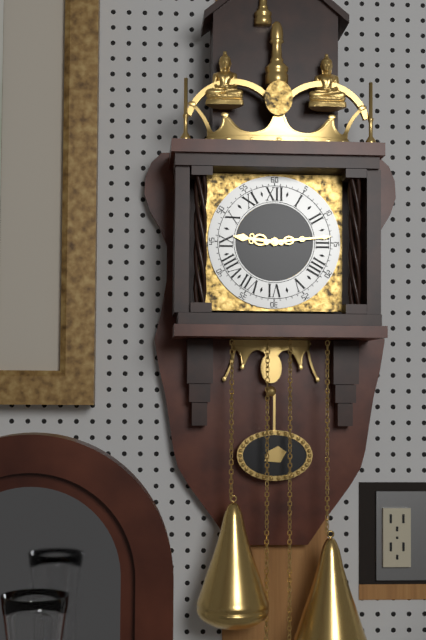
9:14
